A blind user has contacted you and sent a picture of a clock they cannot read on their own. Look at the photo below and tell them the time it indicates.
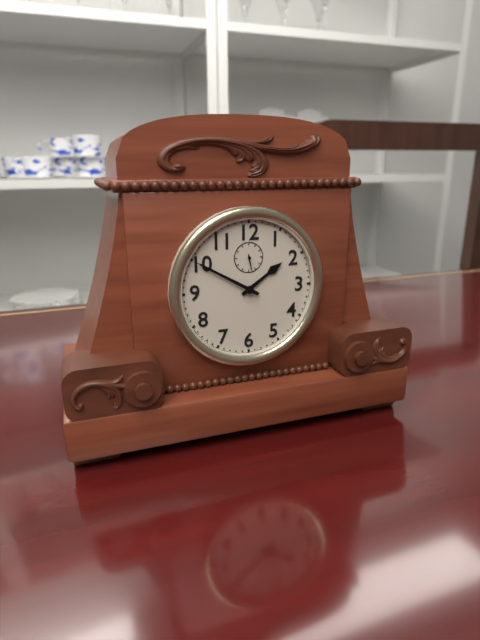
1:50
